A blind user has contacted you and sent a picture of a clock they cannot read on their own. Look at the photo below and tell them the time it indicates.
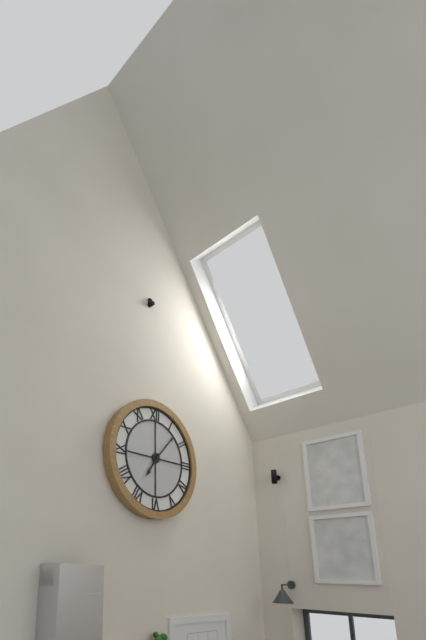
7:07
